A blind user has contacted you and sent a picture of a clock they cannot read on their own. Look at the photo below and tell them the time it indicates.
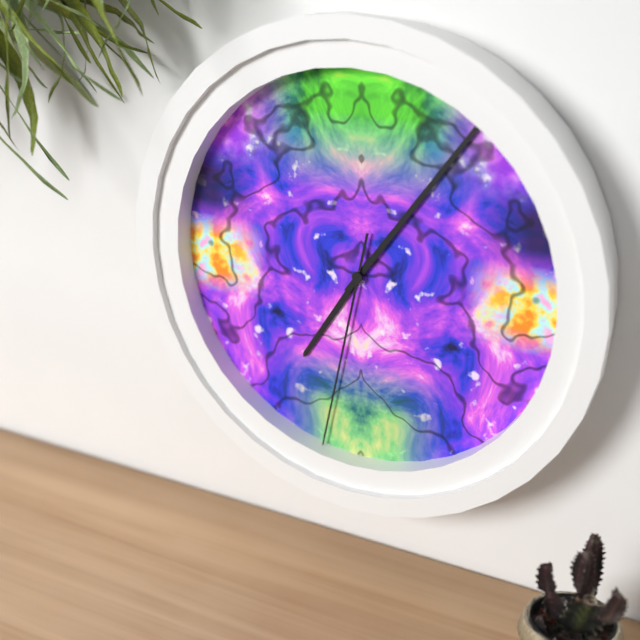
7:06:32
